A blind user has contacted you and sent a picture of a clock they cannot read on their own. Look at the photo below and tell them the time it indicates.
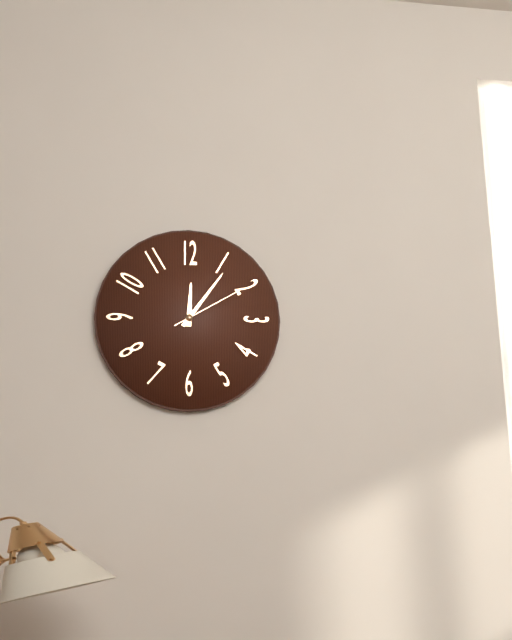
12:06:10
